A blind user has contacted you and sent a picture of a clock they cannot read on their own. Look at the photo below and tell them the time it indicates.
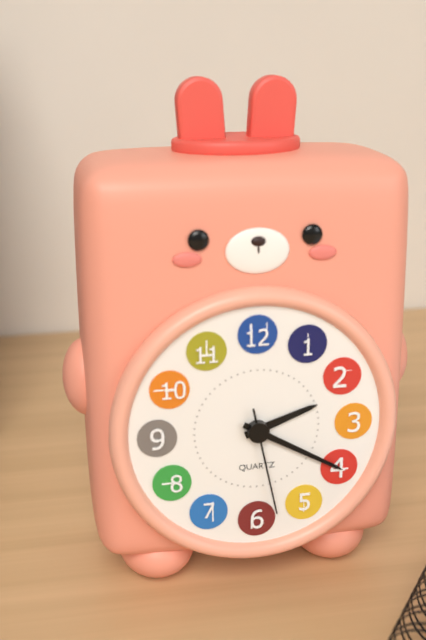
2:20:28
